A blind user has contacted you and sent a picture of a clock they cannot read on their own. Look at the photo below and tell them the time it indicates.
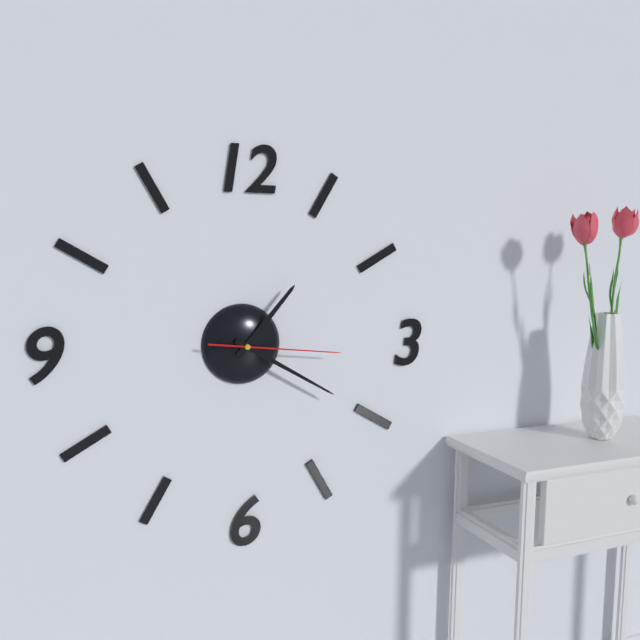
1:20:16
